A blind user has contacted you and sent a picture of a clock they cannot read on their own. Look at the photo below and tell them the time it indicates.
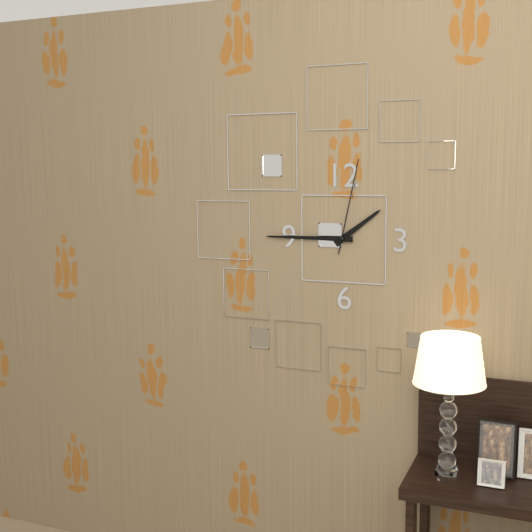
1:45:02
